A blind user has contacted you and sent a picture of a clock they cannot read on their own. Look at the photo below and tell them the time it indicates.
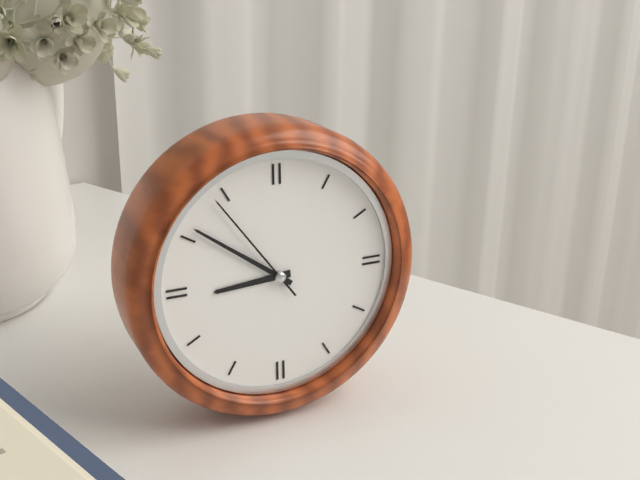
8:51:54
